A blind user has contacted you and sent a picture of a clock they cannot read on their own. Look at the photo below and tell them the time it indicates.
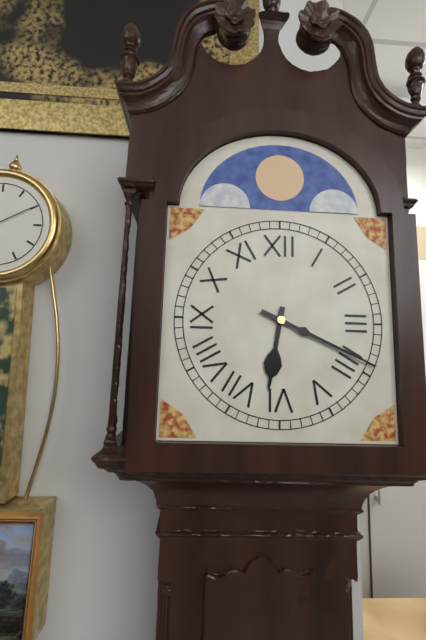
6:19
